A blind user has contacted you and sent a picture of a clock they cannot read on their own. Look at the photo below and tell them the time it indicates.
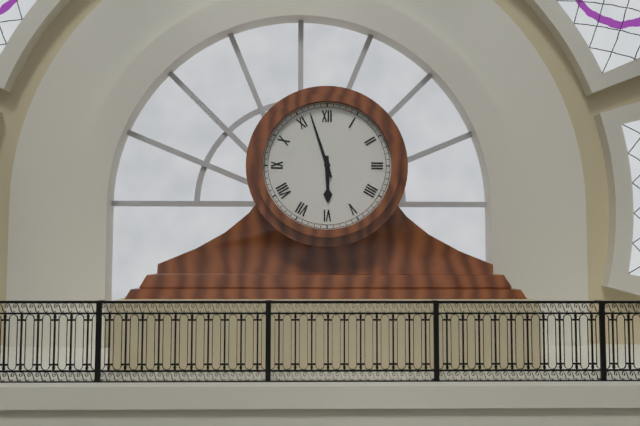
5:57
